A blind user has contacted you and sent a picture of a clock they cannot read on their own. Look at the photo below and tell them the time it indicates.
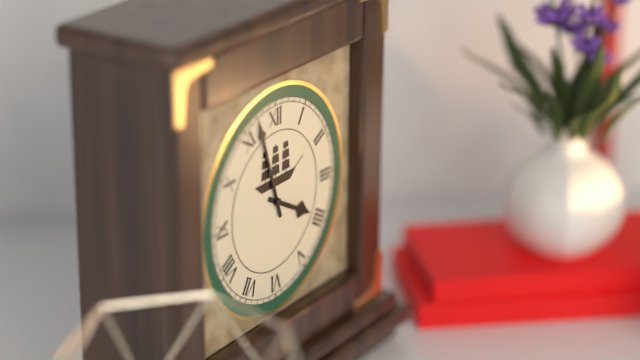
3:57
